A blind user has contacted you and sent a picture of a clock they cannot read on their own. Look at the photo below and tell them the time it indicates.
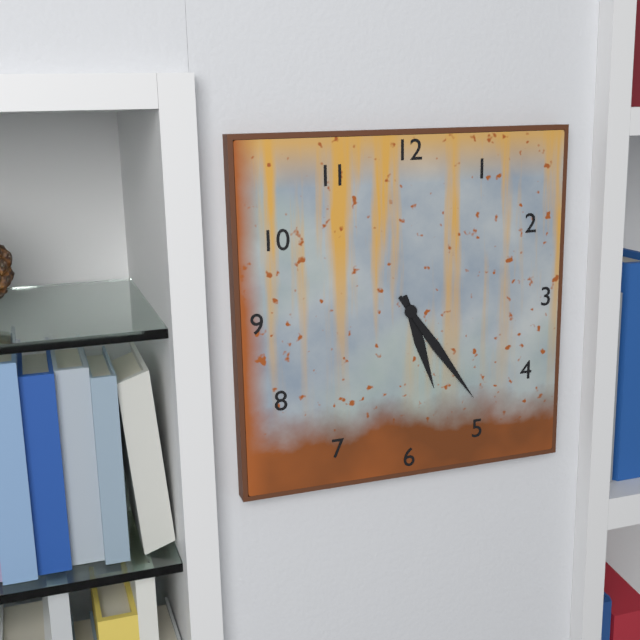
5:24
